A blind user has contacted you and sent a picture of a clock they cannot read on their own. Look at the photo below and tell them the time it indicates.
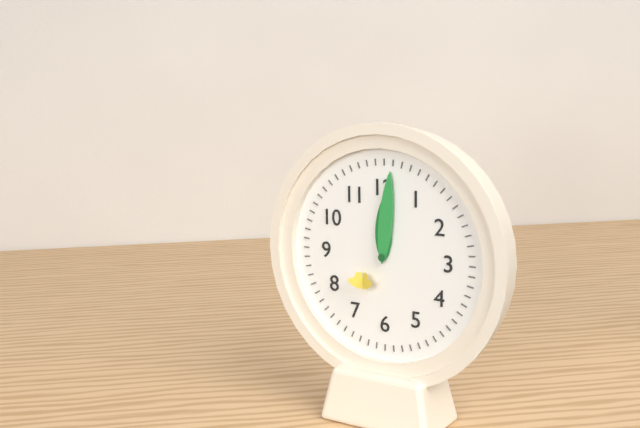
12:01
